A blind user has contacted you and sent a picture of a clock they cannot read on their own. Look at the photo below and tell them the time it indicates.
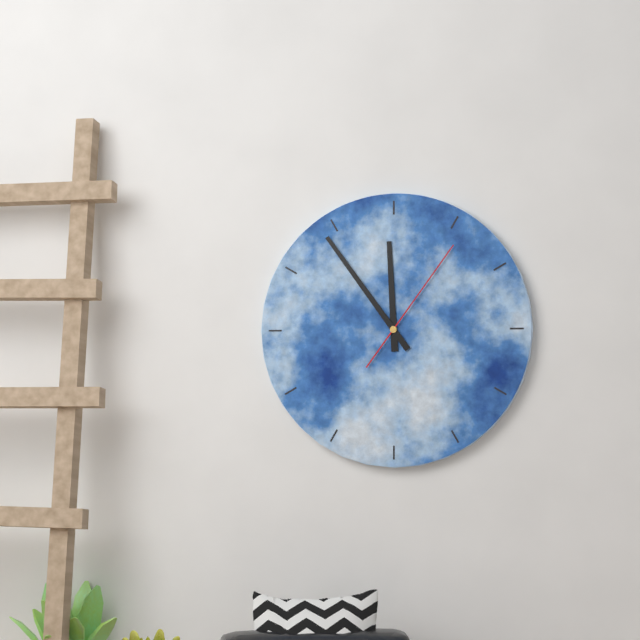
11:54:06
